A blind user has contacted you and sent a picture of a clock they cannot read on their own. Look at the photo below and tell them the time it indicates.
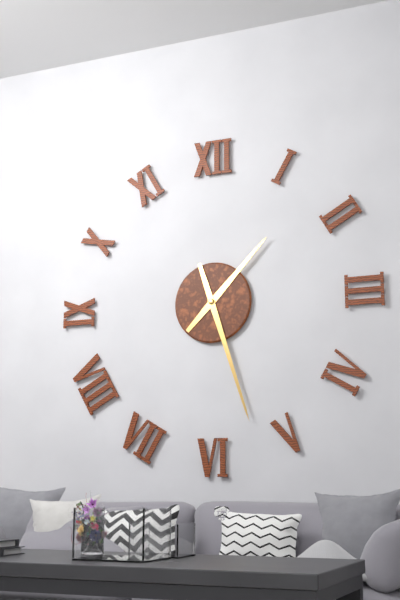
1:27
